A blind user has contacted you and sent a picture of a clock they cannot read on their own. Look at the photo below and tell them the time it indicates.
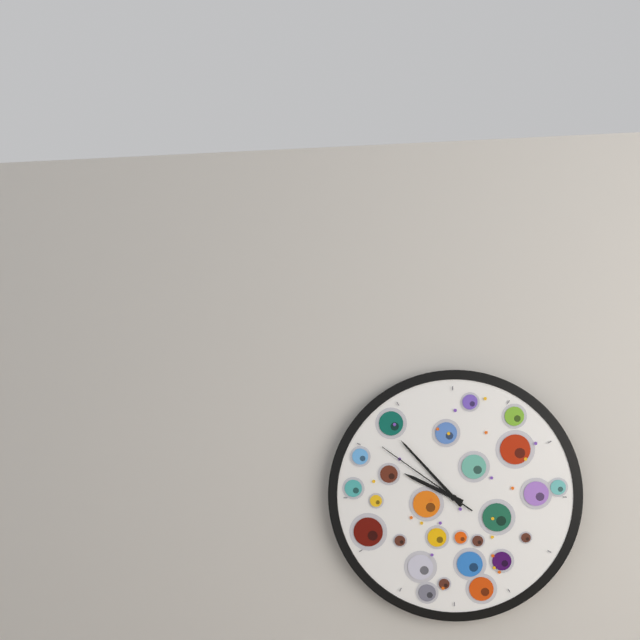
9:53:51
